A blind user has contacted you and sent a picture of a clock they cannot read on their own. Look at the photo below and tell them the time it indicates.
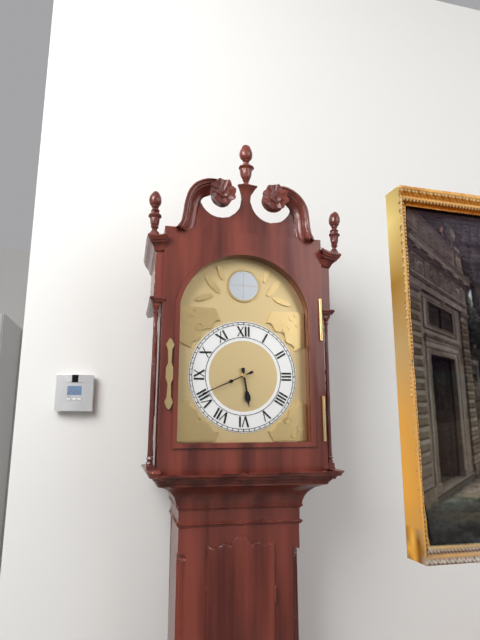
5:41
